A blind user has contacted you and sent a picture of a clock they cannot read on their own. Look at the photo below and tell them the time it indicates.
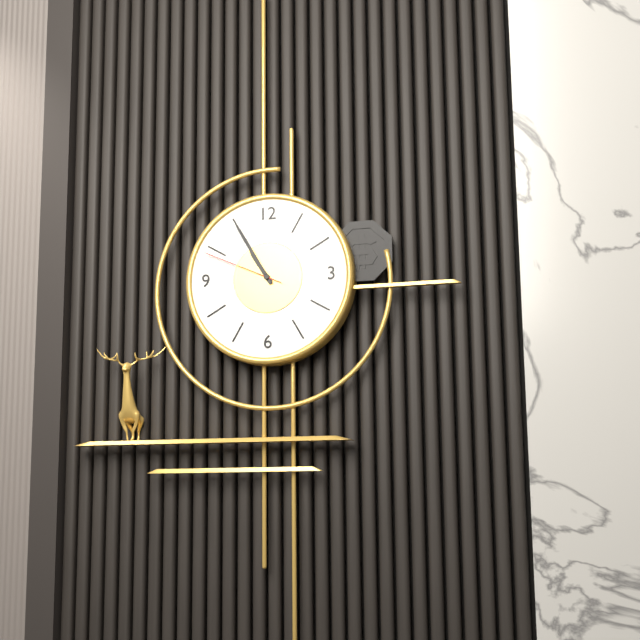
10:55:49
